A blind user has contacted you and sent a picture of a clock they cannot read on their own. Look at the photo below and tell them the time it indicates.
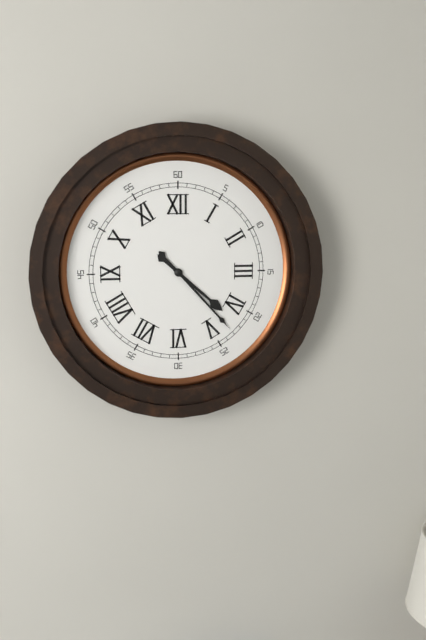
4:23
